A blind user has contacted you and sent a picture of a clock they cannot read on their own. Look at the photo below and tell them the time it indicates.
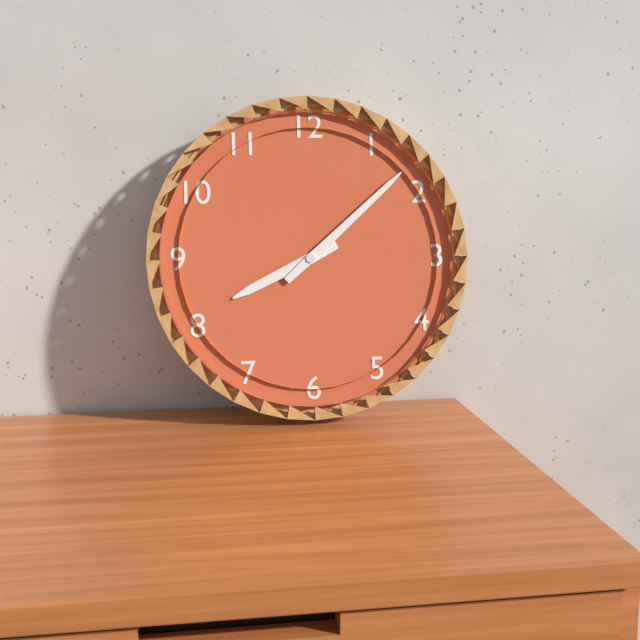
8:08
